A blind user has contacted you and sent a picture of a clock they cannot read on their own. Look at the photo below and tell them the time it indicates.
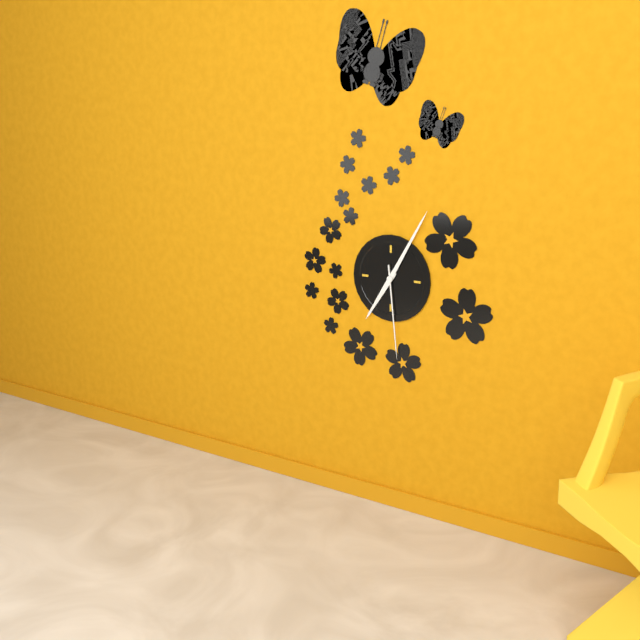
7:05:29
